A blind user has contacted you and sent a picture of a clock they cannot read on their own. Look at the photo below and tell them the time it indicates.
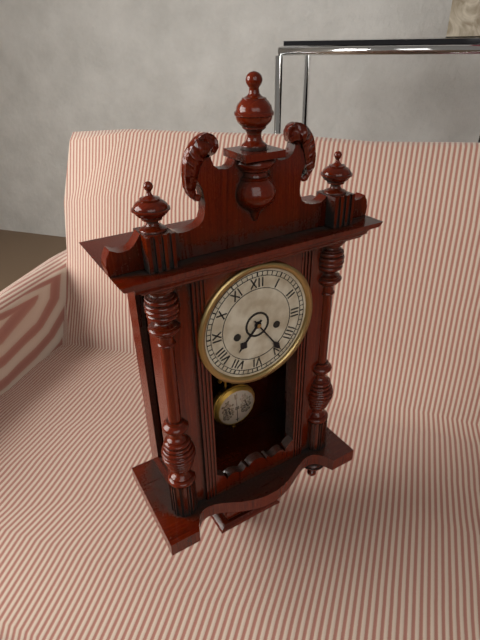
7:24
